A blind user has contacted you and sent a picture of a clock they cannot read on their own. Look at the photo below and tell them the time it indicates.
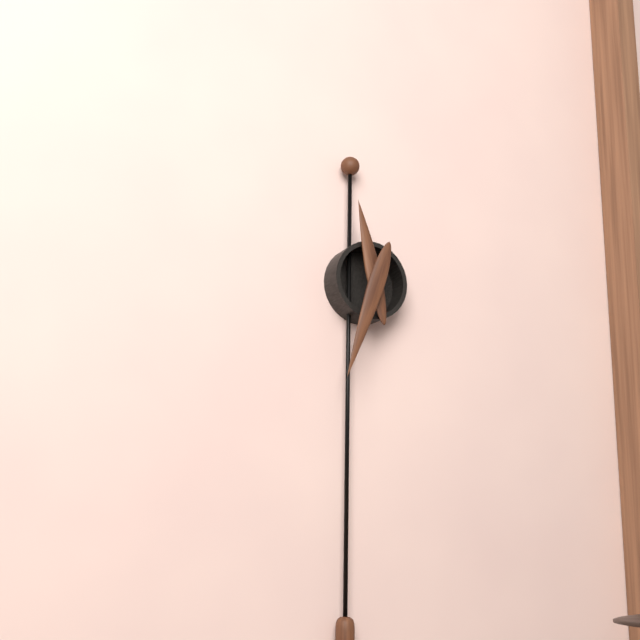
11:33
